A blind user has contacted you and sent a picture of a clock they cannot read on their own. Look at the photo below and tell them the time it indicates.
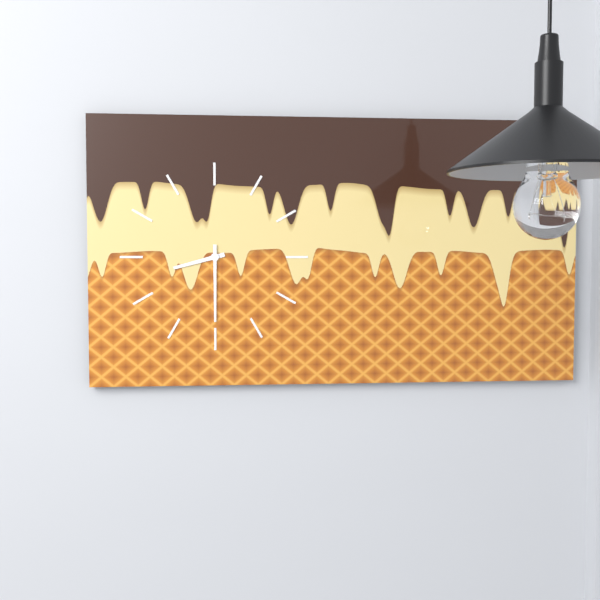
8:30
